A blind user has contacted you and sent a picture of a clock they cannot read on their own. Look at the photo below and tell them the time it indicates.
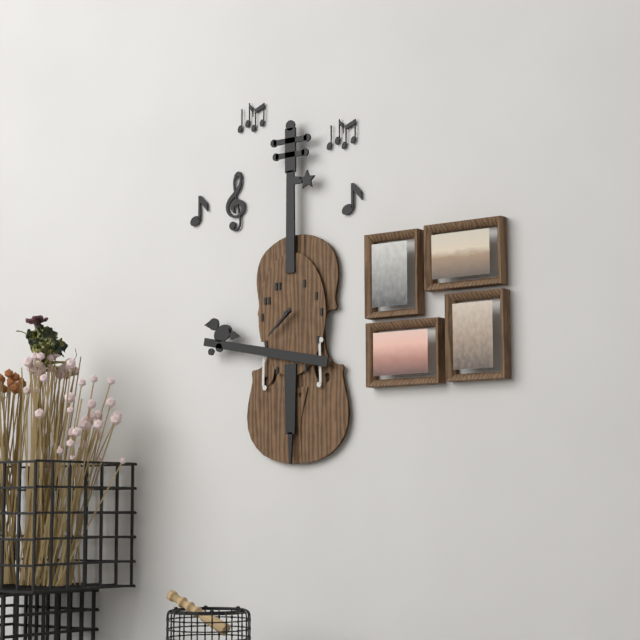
7:38
